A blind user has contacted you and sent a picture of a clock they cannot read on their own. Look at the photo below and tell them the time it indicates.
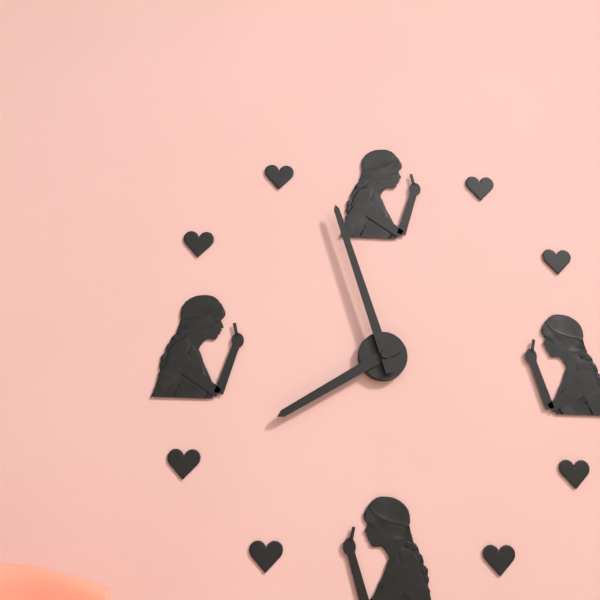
7:57
